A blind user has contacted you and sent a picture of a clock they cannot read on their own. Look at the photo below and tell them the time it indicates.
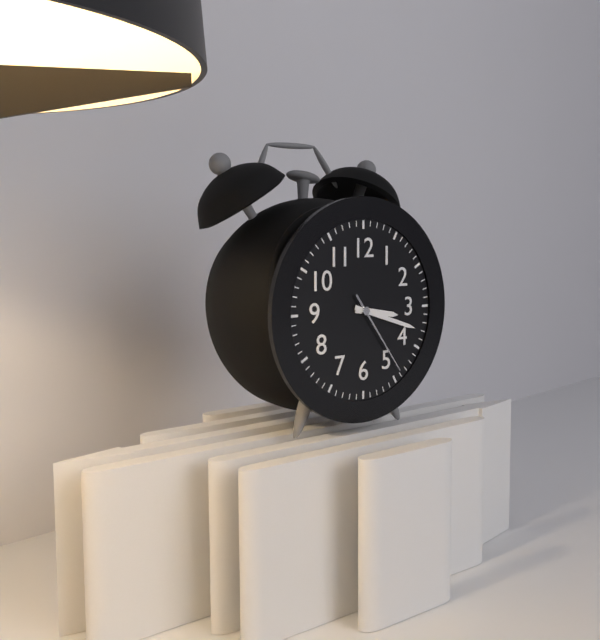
3:18:24
